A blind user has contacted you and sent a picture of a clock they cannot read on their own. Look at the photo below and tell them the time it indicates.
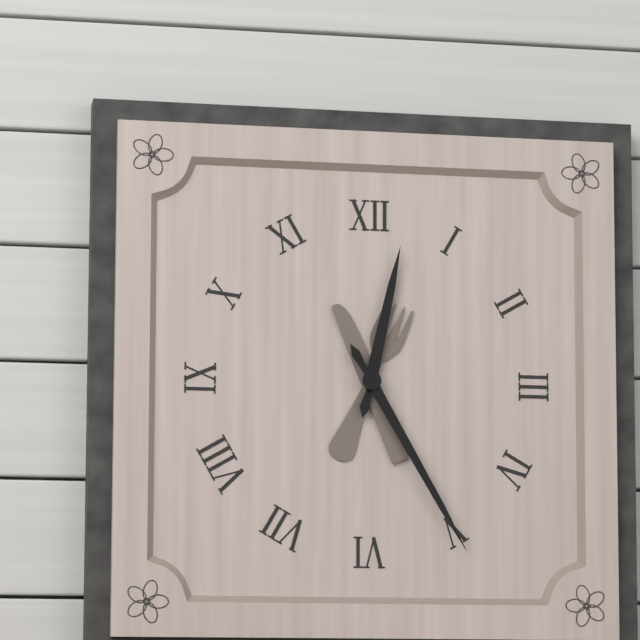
12:25
